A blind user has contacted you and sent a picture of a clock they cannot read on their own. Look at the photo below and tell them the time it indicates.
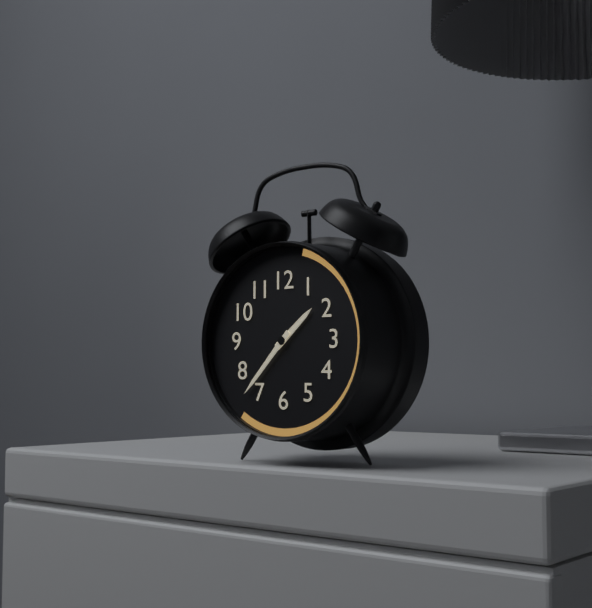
1:37
